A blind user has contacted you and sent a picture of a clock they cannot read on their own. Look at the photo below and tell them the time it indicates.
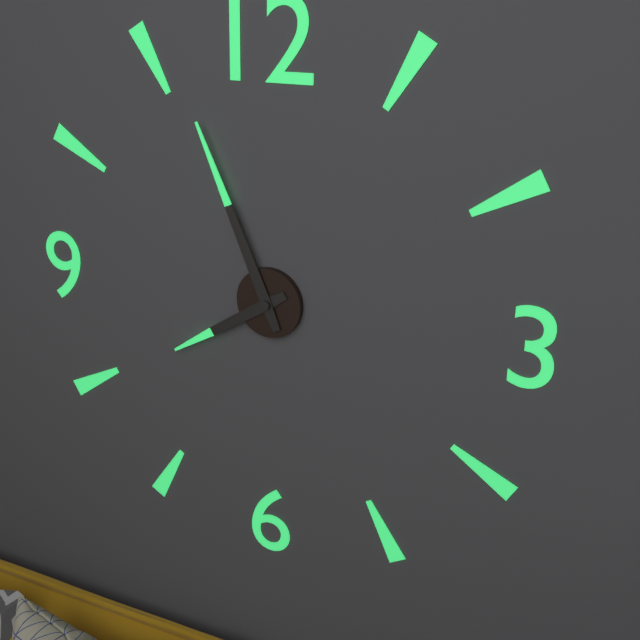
7:56
